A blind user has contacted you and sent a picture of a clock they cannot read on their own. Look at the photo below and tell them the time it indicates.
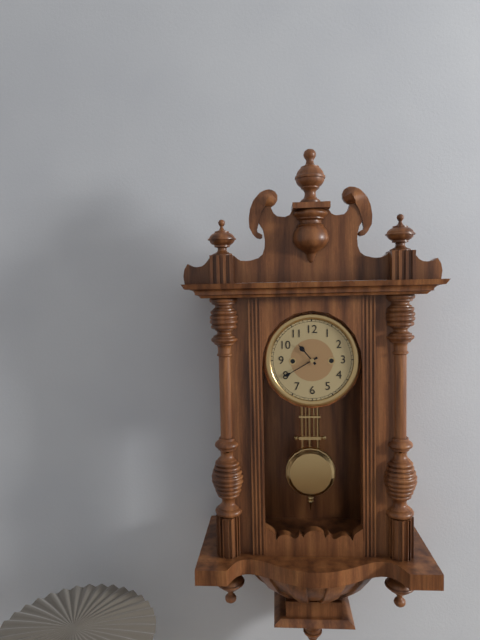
10:40
